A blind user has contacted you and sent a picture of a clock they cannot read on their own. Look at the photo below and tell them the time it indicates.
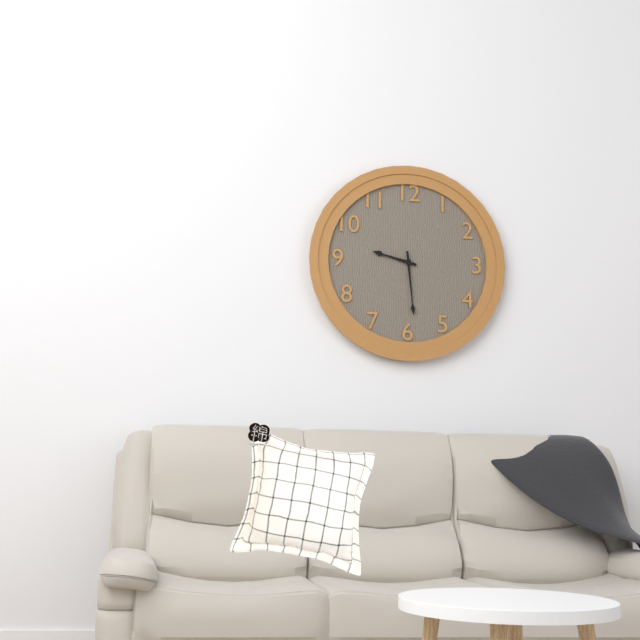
9:29
